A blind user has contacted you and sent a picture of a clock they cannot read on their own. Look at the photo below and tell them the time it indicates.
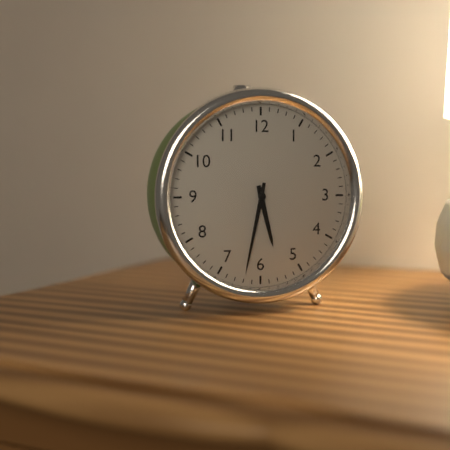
5:32
